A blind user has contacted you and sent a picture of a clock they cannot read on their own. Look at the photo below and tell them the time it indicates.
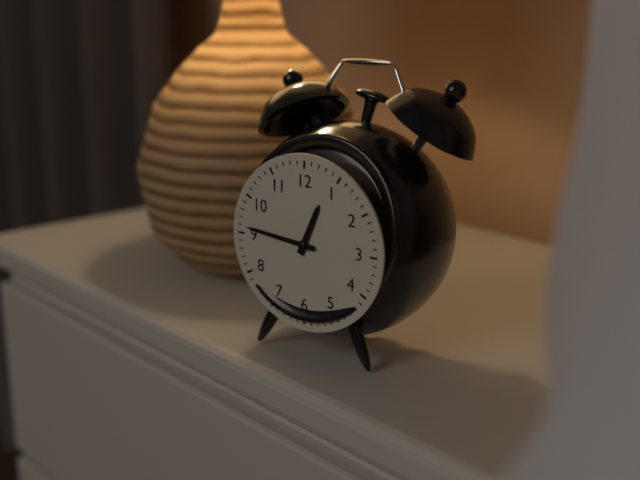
12:46
